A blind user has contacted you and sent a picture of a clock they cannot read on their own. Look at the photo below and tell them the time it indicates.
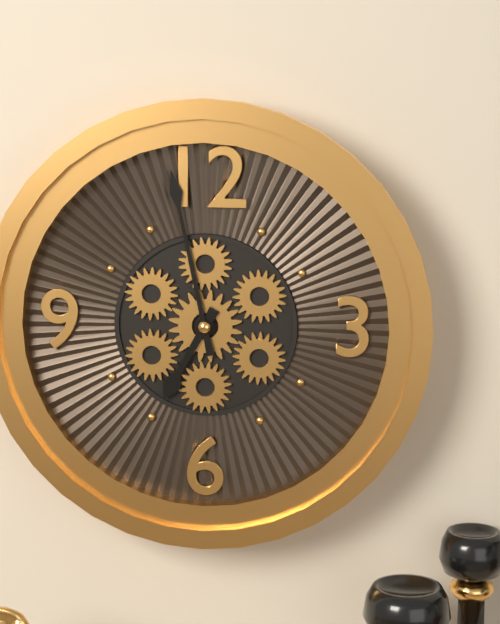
6:58
